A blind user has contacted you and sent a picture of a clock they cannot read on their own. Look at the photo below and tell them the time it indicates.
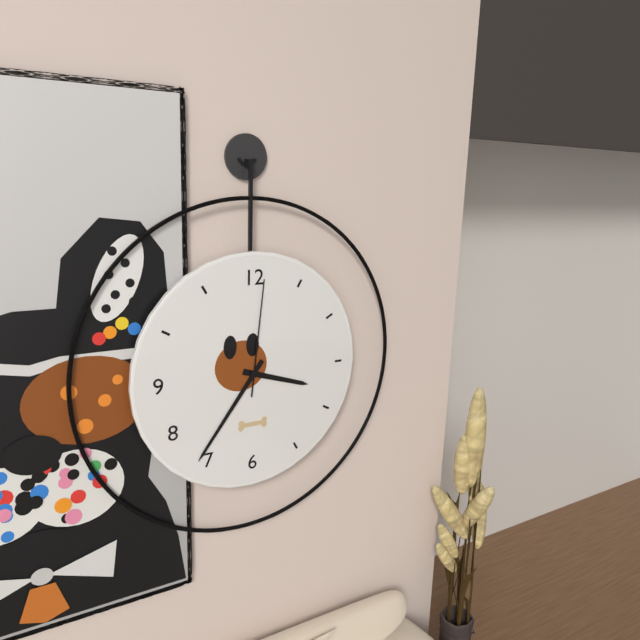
3:36:01
